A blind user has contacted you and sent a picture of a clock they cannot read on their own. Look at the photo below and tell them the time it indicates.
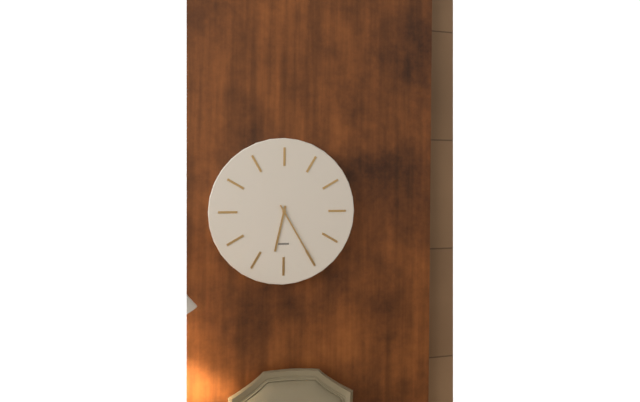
6:25
